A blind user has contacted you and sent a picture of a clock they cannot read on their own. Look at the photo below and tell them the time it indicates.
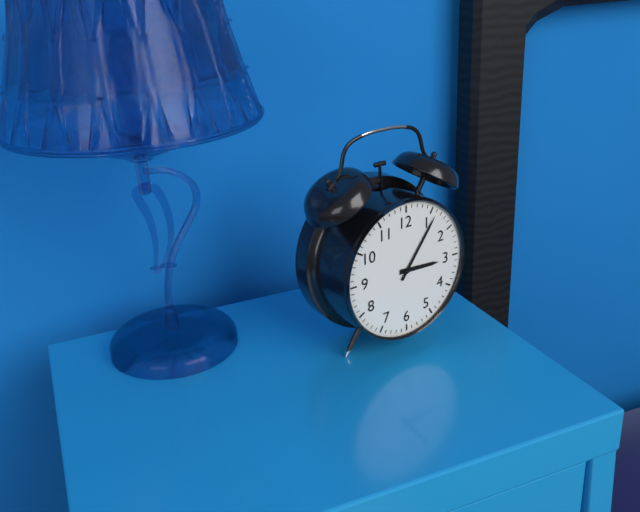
3:06
